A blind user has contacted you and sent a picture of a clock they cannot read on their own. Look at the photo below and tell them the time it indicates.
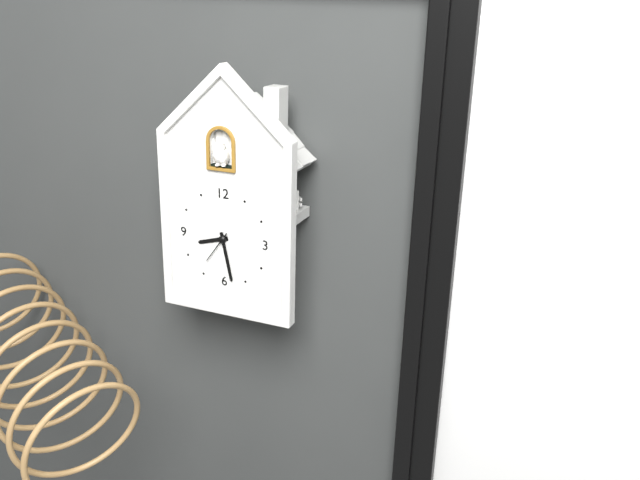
8:28:36
